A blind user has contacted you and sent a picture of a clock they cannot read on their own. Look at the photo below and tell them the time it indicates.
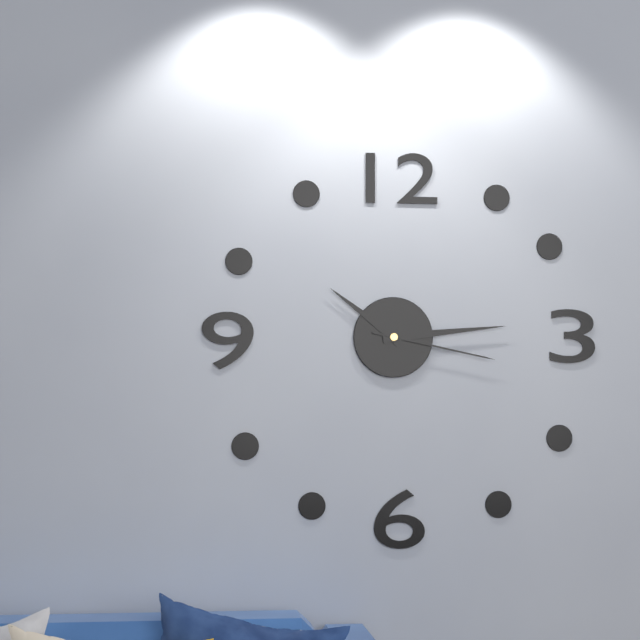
10:14:17
